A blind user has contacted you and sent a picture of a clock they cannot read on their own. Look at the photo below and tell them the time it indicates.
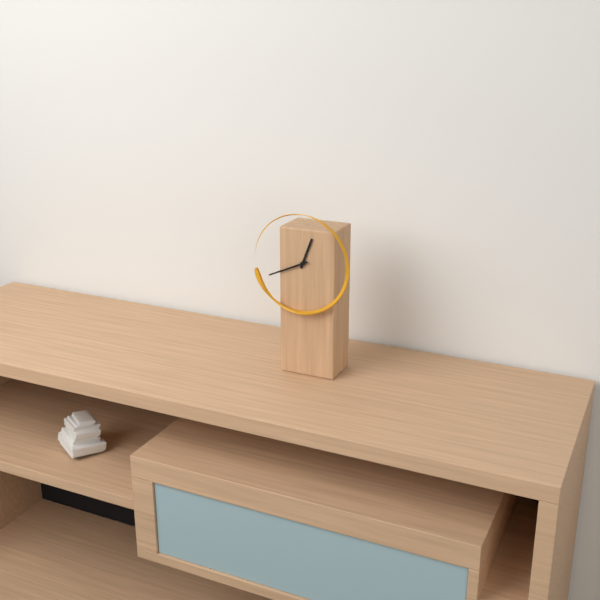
12:41
